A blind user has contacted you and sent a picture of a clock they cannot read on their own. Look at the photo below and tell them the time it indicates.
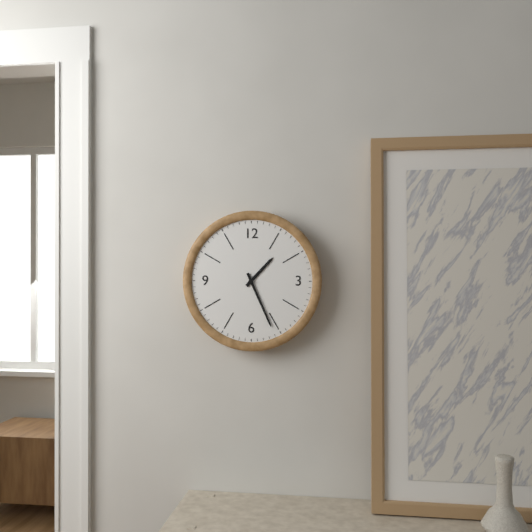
1:26
